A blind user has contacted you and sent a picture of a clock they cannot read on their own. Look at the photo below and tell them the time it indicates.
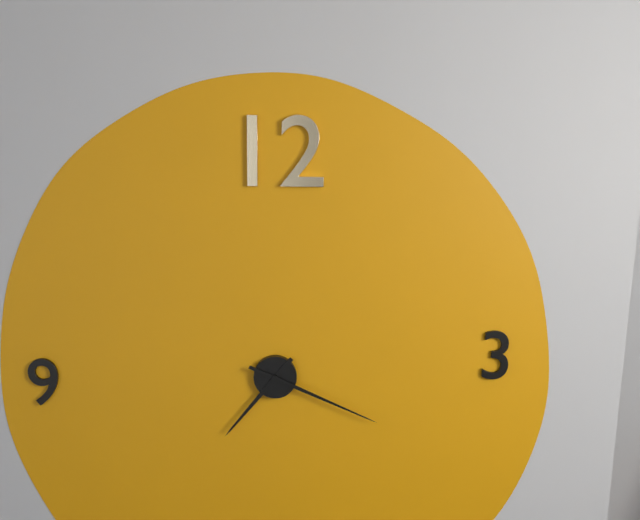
7:19
